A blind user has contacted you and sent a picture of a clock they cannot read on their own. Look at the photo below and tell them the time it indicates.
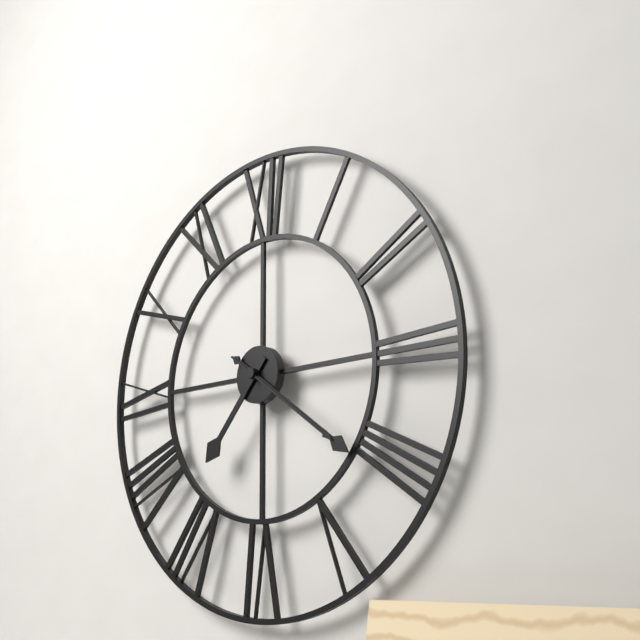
7:21:21
